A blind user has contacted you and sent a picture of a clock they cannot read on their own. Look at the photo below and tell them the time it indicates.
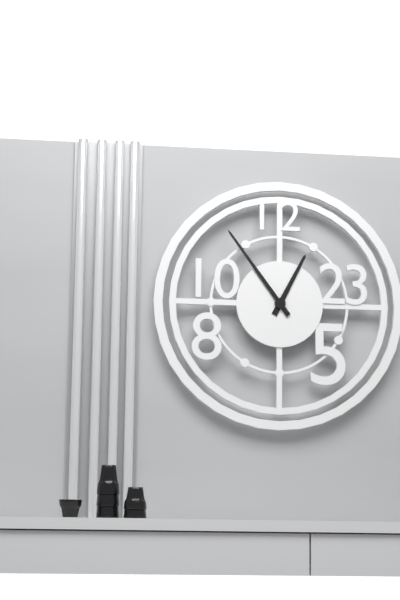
12:54
